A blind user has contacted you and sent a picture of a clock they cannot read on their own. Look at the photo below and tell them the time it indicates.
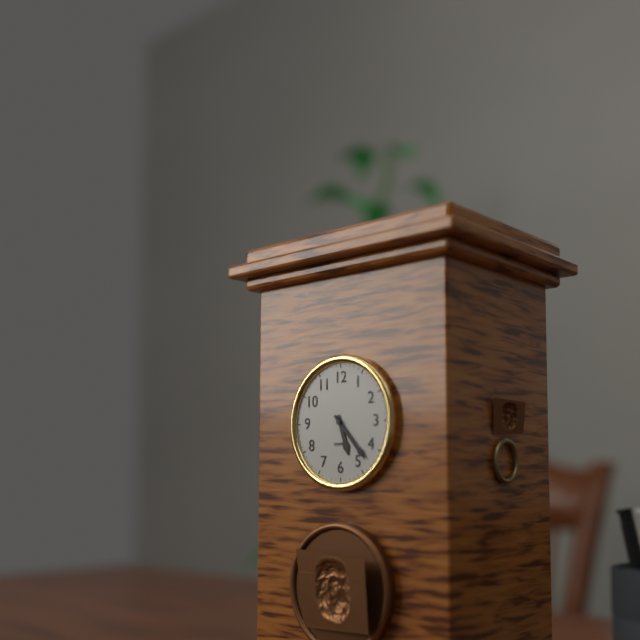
5:23
